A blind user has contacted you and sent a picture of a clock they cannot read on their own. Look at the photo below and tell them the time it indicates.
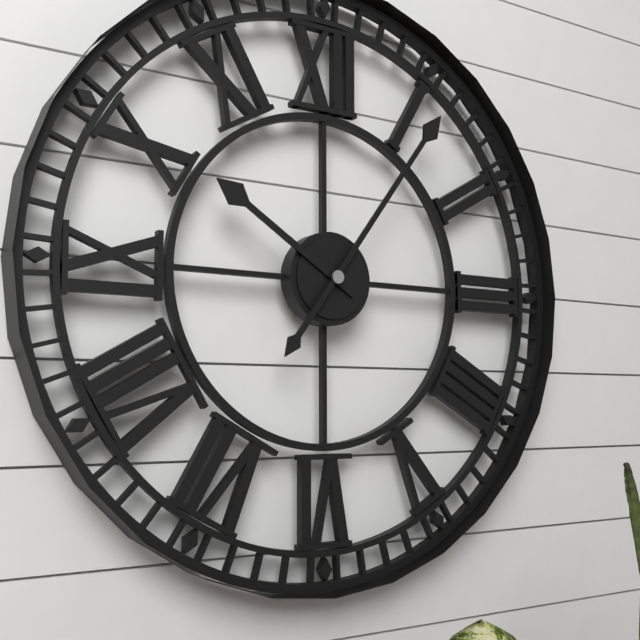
10:06
